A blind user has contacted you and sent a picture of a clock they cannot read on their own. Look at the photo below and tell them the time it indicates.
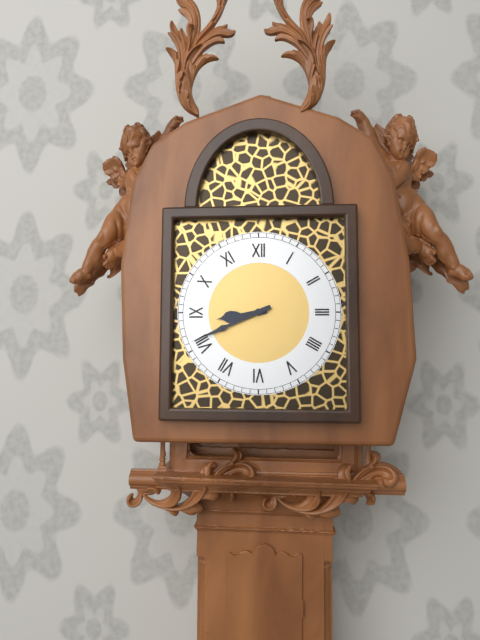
8:41
